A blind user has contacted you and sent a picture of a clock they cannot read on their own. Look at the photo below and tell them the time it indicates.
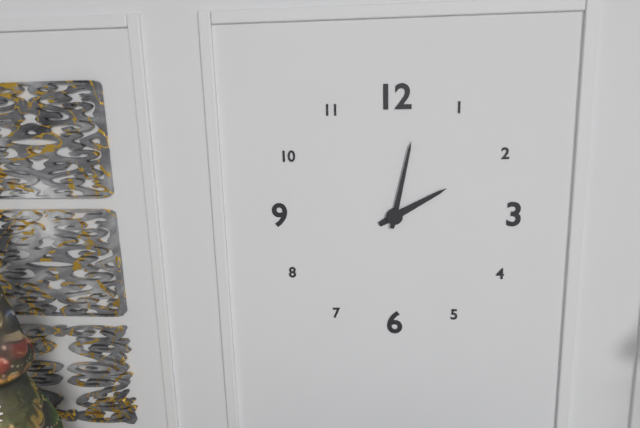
2:02
